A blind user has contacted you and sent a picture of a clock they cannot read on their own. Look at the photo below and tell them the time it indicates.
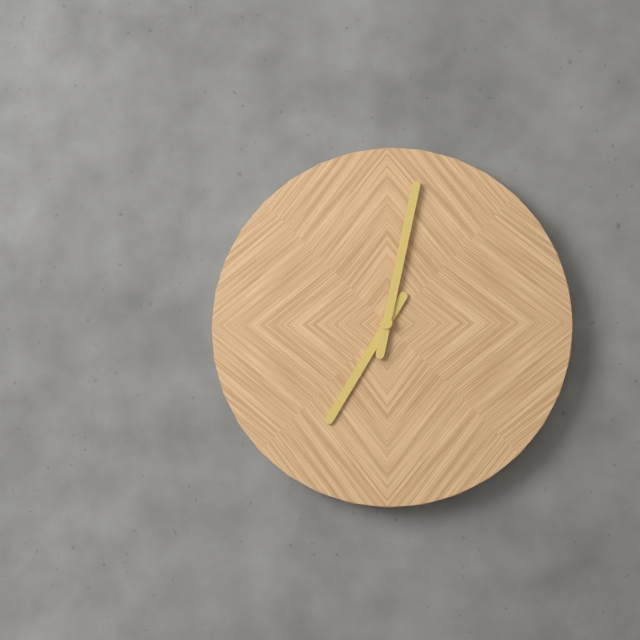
7:02
